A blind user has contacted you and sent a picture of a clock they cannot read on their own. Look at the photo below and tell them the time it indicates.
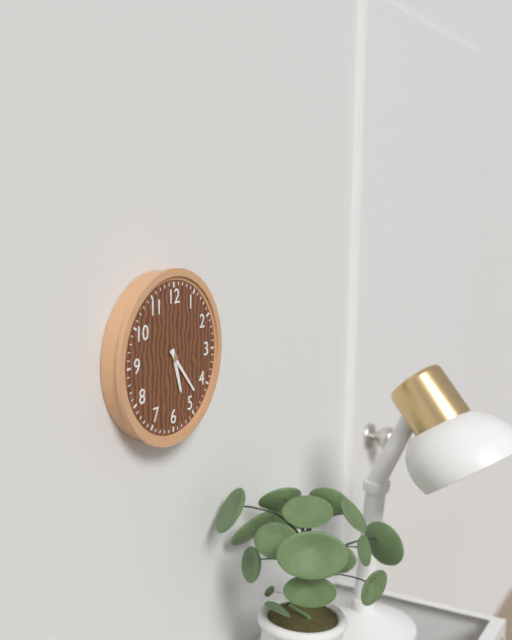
5:23
